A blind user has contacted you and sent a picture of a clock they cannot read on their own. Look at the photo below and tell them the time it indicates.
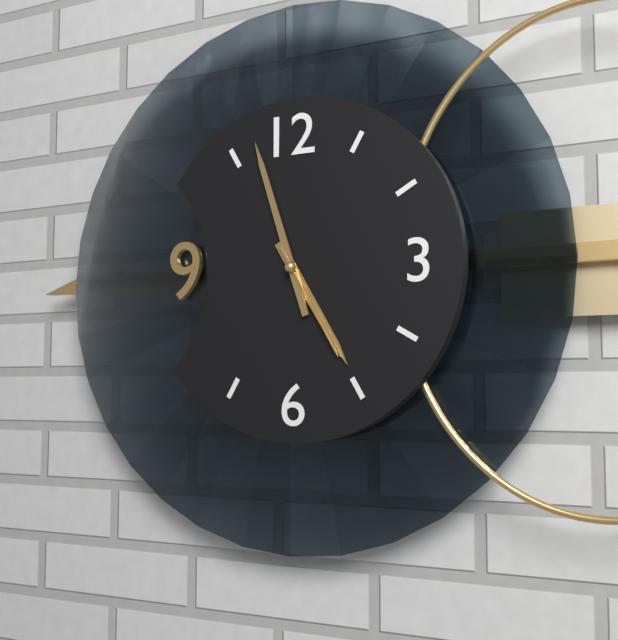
4:57:25
